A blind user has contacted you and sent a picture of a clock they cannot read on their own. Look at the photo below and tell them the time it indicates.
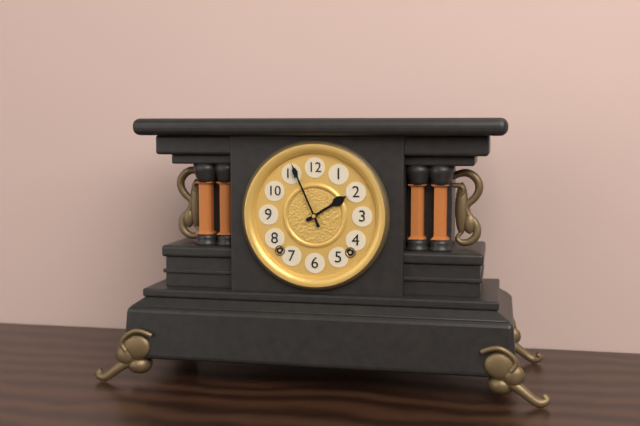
1:56
